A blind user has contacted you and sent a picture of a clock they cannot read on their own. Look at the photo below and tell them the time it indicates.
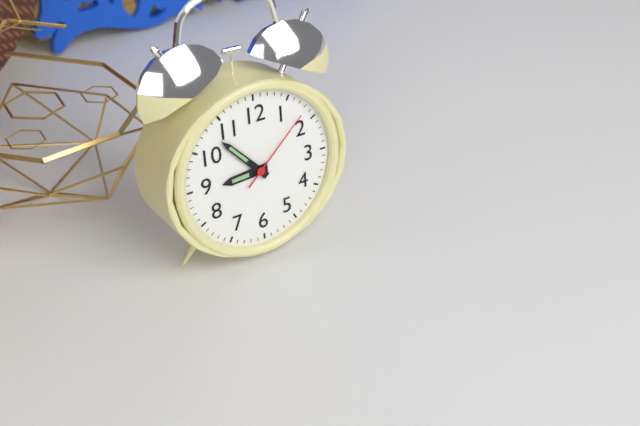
8:53:08
